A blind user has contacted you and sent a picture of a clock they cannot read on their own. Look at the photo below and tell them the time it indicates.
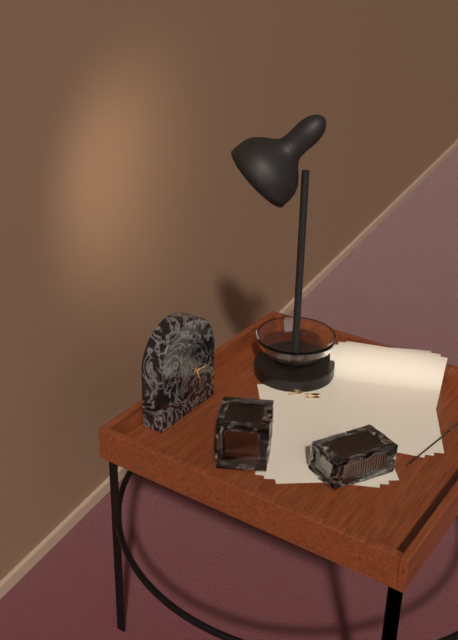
5:16
